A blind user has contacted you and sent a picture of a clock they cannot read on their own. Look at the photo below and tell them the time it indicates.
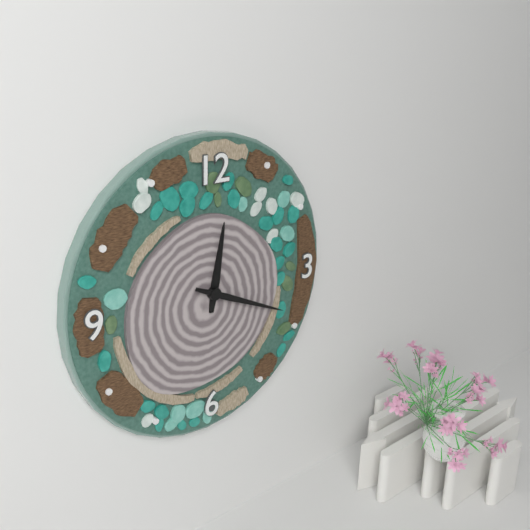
12:19
